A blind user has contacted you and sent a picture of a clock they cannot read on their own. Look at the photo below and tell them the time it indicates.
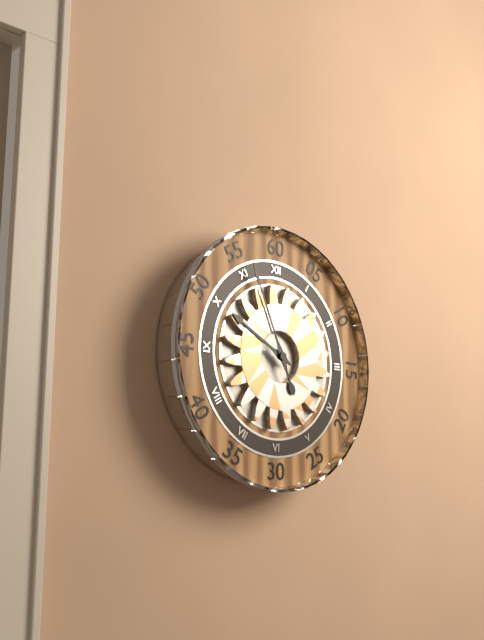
9:56
